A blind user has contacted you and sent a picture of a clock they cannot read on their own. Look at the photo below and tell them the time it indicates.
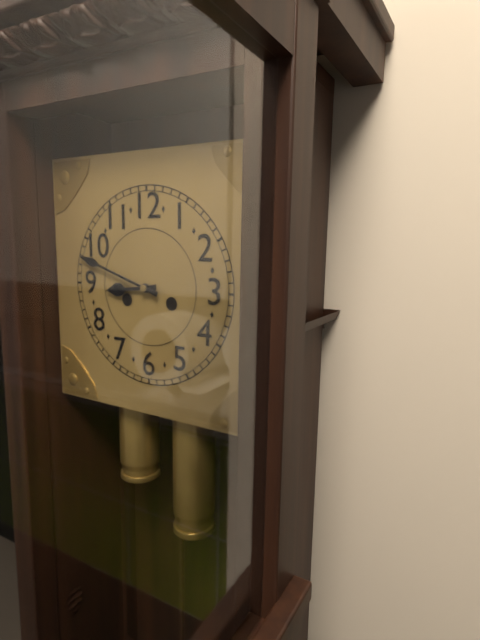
8:48
